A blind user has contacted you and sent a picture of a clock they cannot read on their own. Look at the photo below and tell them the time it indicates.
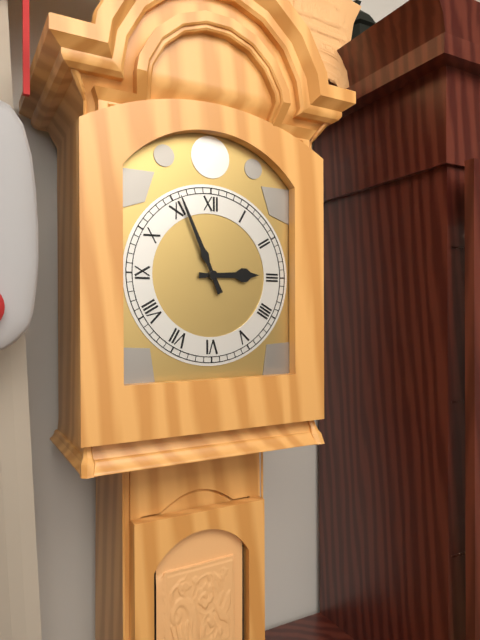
2:56
